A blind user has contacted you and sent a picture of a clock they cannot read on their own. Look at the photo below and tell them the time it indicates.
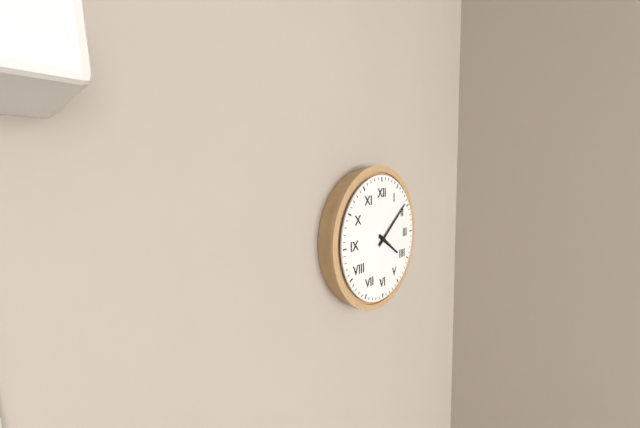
4:09
